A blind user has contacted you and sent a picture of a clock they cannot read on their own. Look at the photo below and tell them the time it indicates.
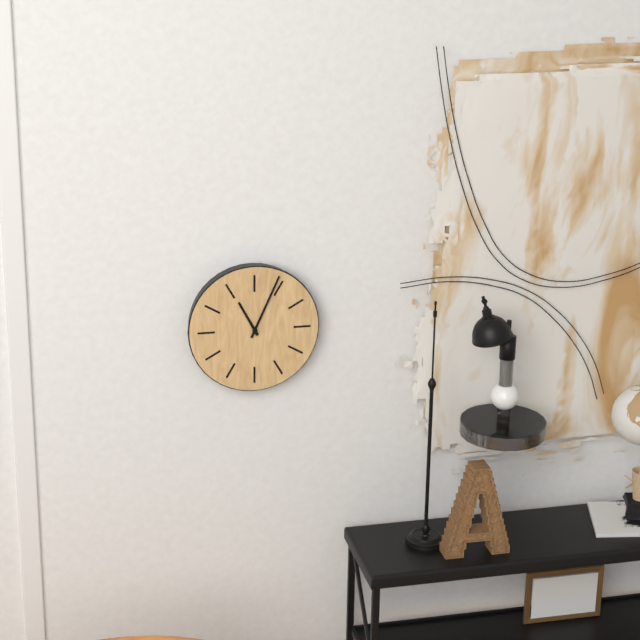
11:04
